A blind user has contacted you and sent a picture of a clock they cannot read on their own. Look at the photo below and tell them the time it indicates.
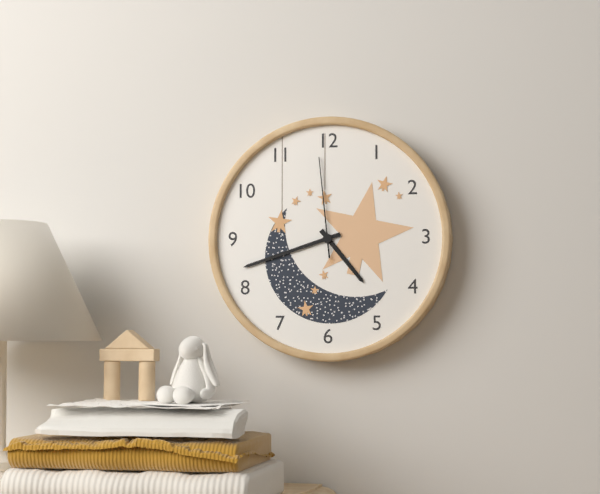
4:42:59
